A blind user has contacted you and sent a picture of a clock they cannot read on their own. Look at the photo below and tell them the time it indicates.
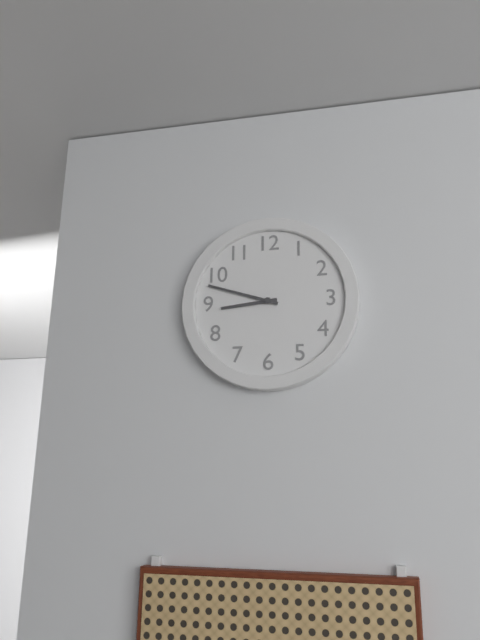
8:48
